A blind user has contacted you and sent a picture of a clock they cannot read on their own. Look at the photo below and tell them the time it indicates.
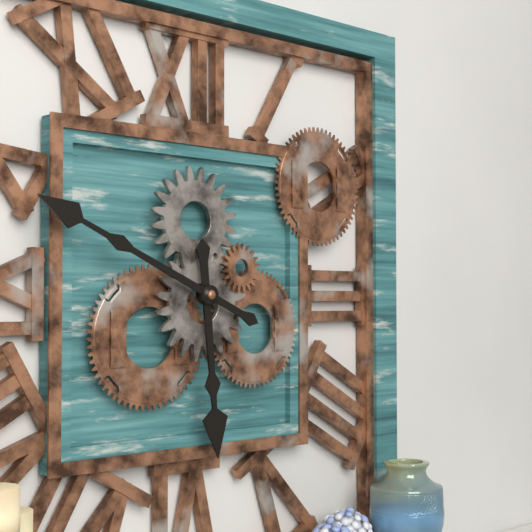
5:49
